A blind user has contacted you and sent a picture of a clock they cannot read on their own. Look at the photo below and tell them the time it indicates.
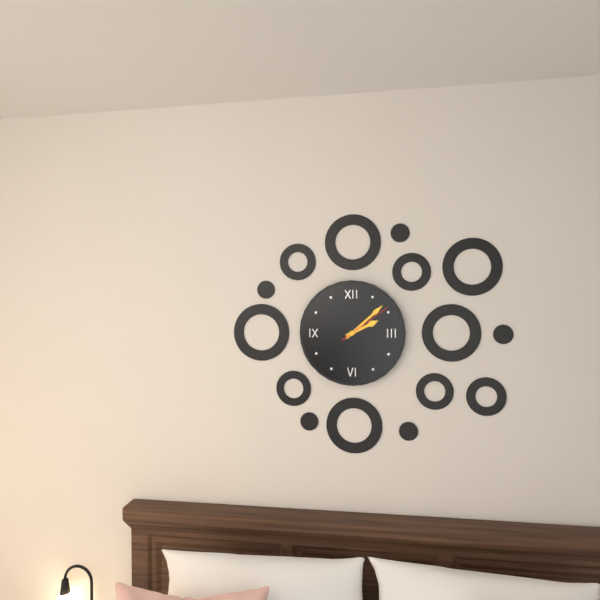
2:08:09
